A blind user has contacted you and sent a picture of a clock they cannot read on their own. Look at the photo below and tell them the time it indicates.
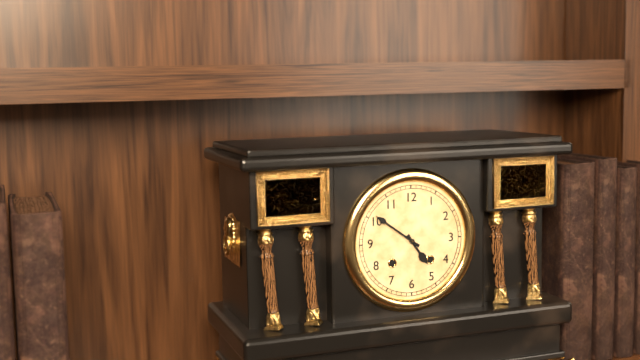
4:51
